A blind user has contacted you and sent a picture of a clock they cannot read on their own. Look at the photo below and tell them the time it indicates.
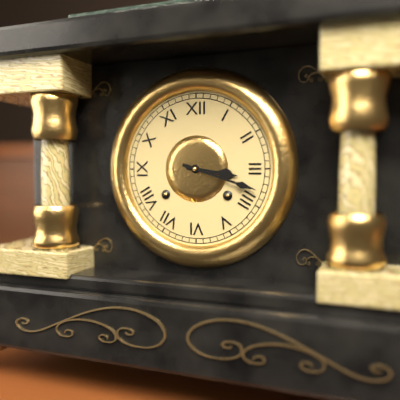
3:18
